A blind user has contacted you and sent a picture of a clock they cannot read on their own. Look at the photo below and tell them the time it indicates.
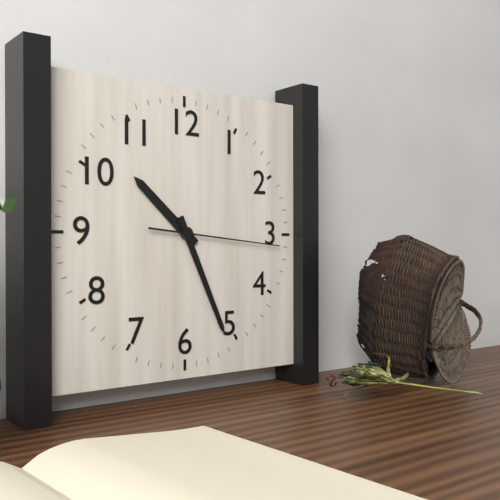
10:26:16
